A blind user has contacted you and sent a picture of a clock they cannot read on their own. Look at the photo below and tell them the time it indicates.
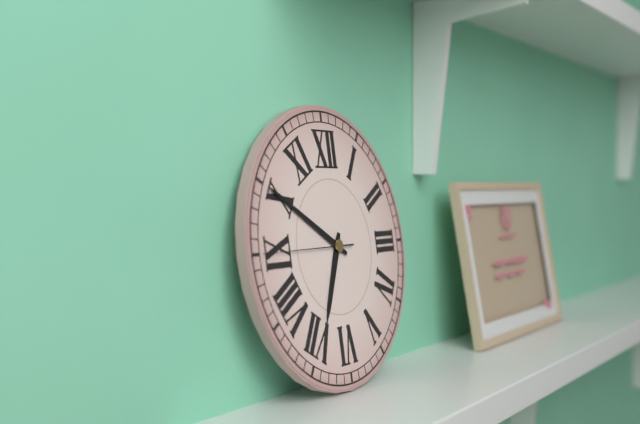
6:50:45
